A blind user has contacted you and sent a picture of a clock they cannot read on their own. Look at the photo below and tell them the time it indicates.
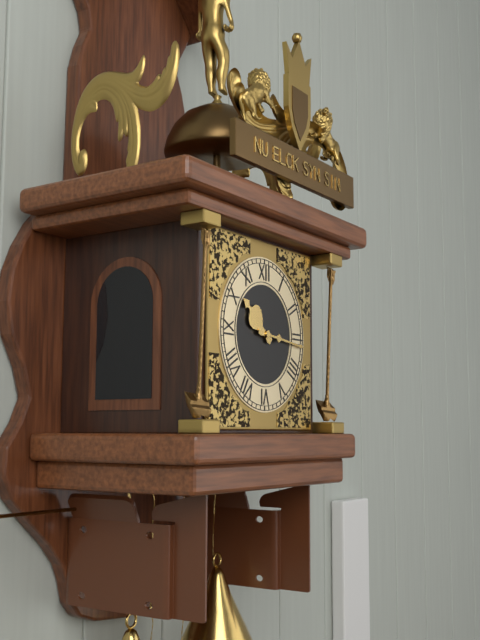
10:16
